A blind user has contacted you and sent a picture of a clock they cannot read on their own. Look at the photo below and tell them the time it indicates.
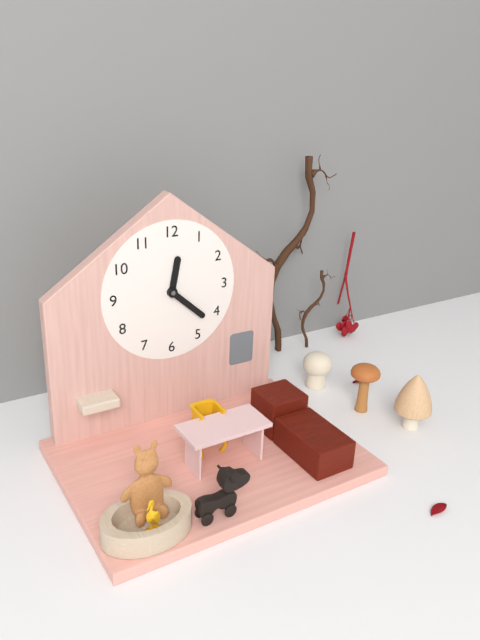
12:22
